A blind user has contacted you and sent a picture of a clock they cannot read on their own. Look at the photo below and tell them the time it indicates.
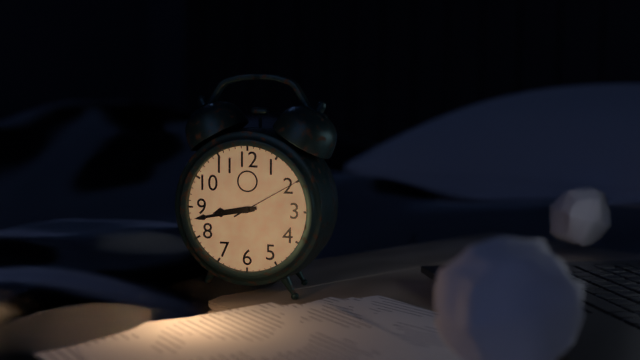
8:43:10
